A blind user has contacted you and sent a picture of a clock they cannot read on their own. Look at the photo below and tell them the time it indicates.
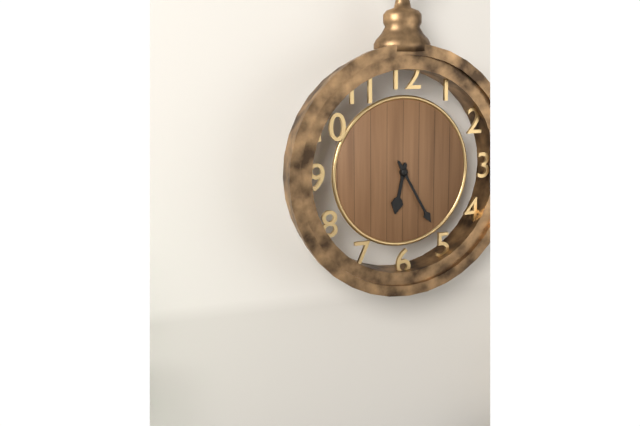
6:25
